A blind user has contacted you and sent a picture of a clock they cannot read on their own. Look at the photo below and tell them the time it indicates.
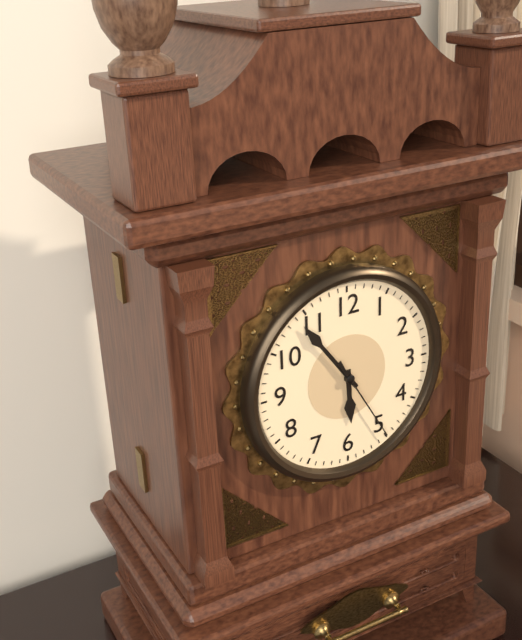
5:54:25
